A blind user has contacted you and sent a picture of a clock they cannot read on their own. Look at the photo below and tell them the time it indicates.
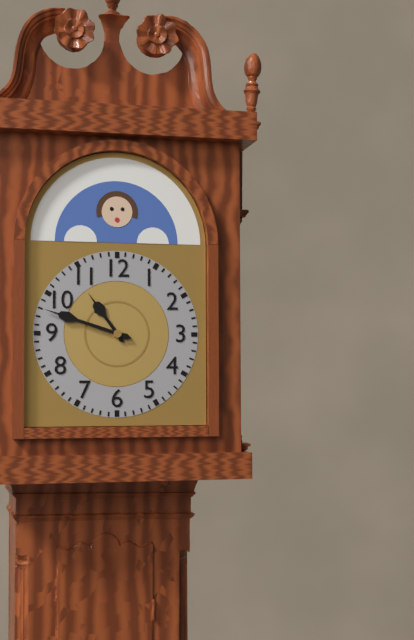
10:48
